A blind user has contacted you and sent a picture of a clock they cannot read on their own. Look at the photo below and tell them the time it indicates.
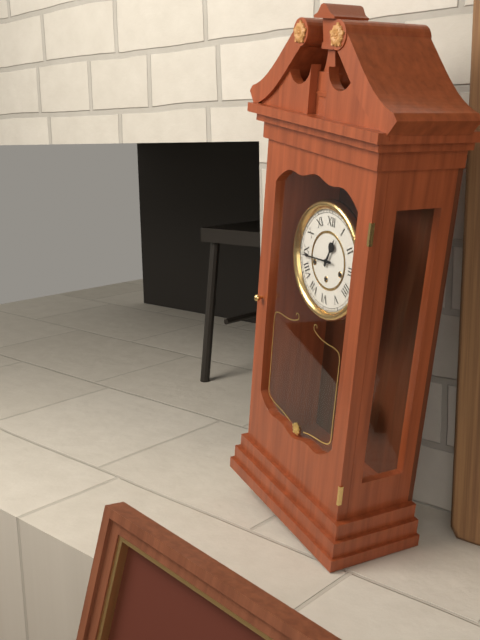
12:44
